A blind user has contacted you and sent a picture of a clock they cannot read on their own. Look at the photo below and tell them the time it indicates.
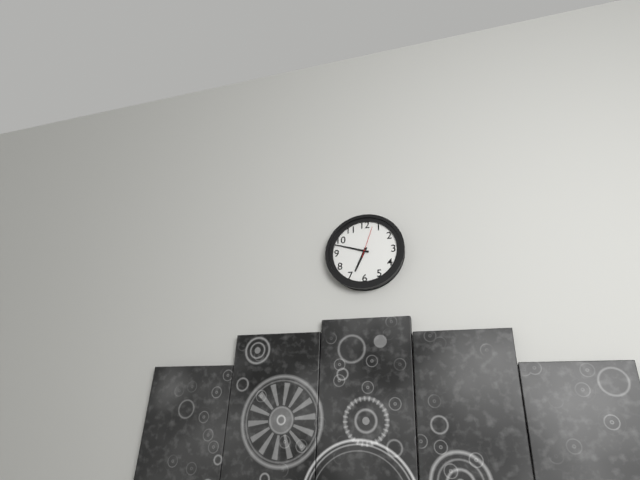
6:48
